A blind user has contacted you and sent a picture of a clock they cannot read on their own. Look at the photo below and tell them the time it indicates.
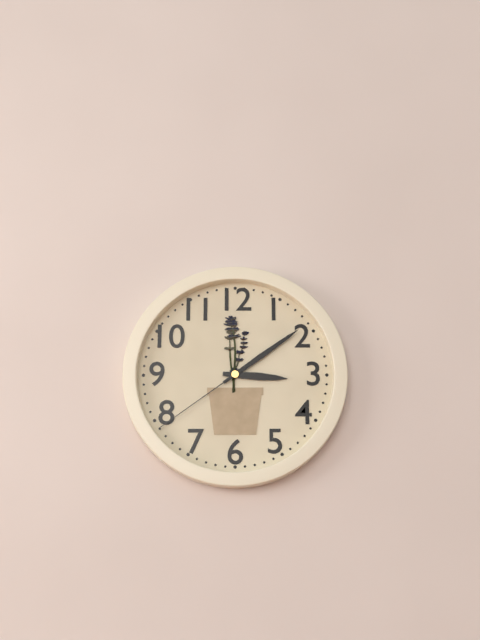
3:09:39
